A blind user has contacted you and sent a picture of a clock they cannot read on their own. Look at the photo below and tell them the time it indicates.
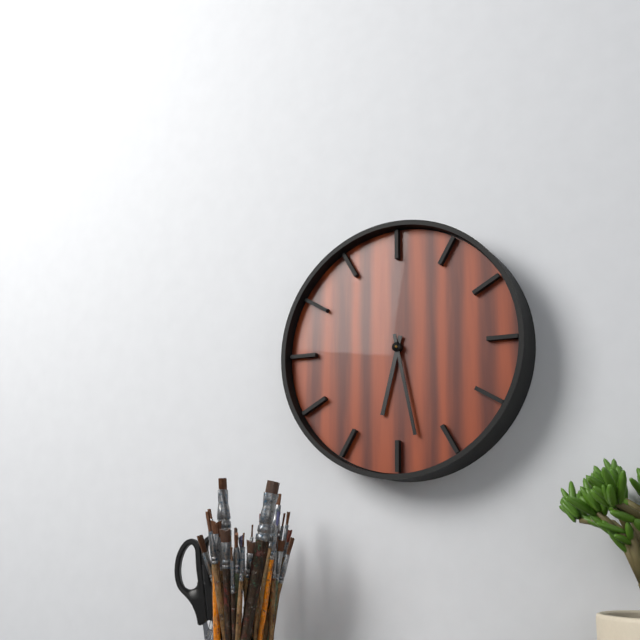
6:28
